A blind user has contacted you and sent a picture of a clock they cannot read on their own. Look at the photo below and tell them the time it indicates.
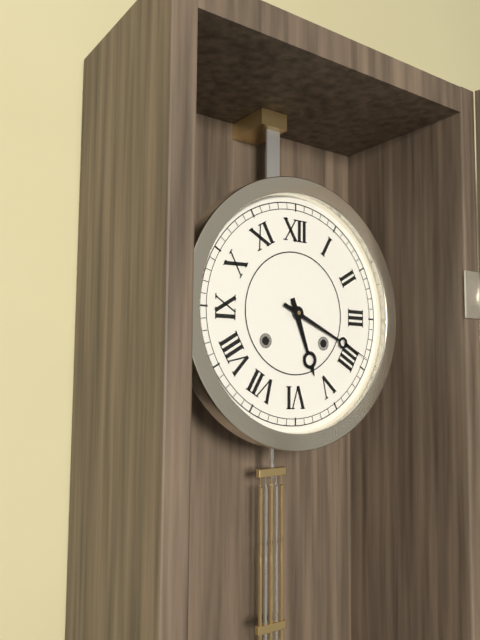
5:19
